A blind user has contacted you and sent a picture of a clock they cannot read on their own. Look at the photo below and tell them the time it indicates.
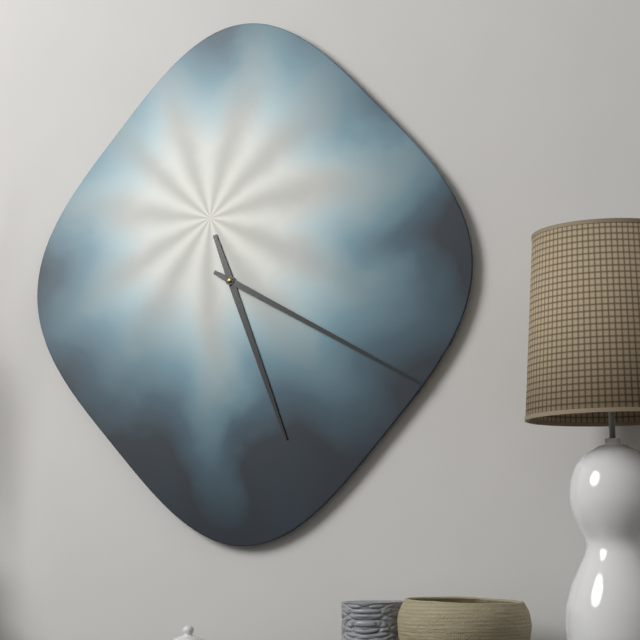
5:20
